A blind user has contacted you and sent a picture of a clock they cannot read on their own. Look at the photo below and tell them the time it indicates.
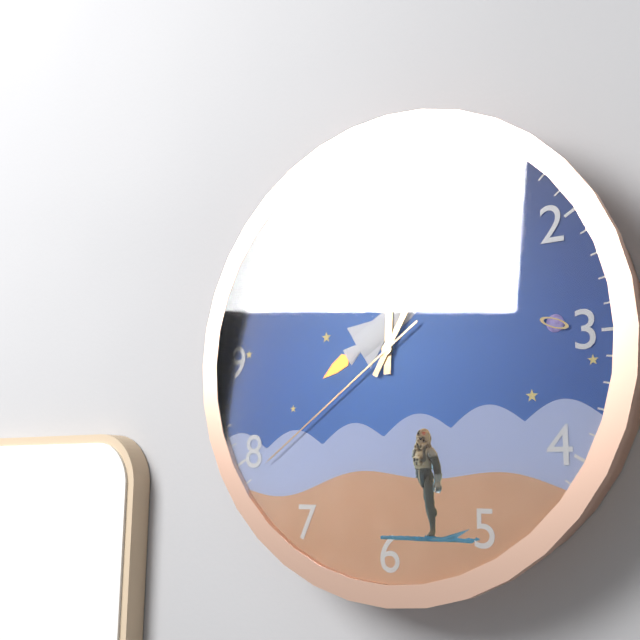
12:05:39
